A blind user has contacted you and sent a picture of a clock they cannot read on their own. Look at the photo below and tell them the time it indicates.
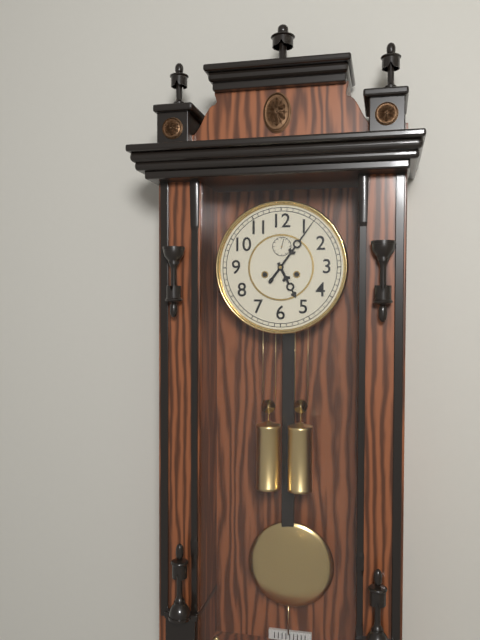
5:06
